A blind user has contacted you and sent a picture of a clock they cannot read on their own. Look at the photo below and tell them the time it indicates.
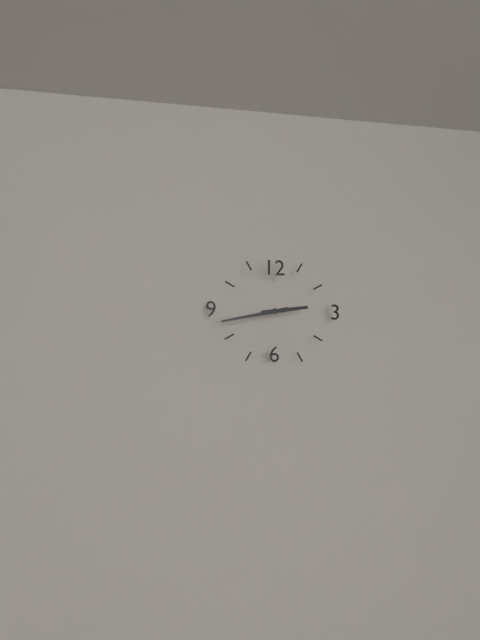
2:43
